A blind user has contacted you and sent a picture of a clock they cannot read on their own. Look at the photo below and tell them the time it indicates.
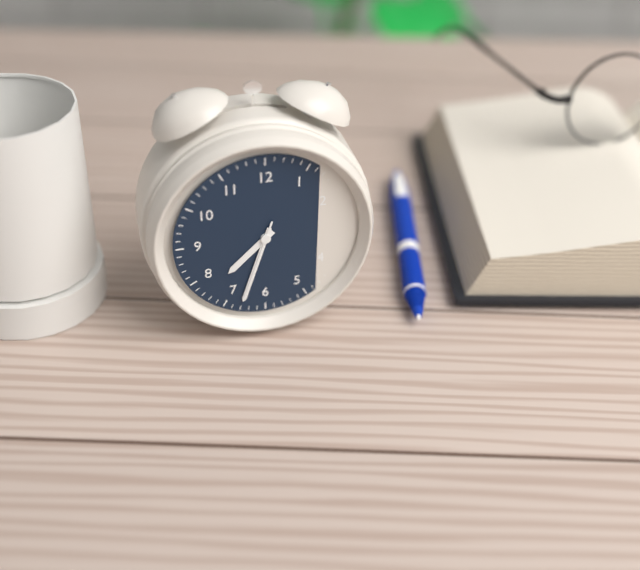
7:33:33
